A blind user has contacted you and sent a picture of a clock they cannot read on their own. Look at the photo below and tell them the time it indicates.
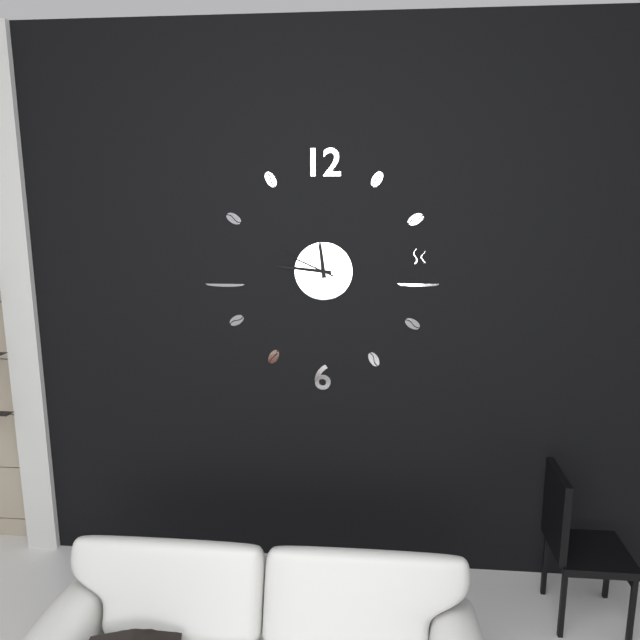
11:46:49
